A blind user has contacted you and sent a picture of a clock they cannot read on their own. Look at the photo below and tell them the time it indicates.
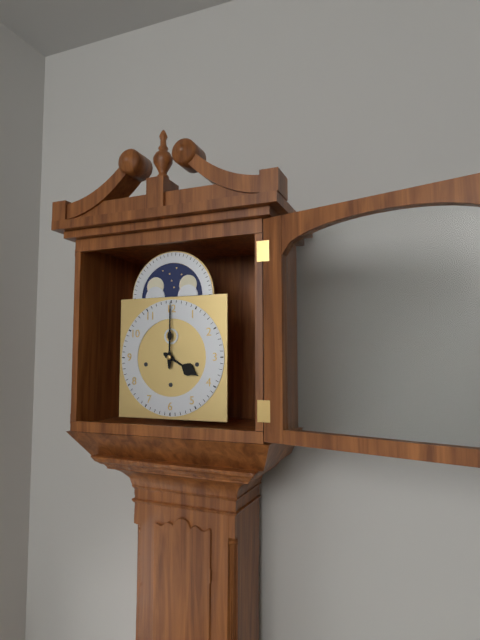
4:00
